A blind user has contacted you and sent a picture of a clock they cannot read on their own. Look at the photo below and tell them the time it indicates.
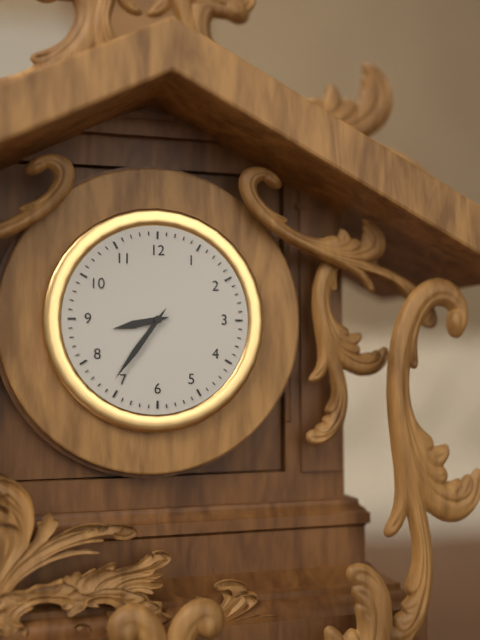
8:36
